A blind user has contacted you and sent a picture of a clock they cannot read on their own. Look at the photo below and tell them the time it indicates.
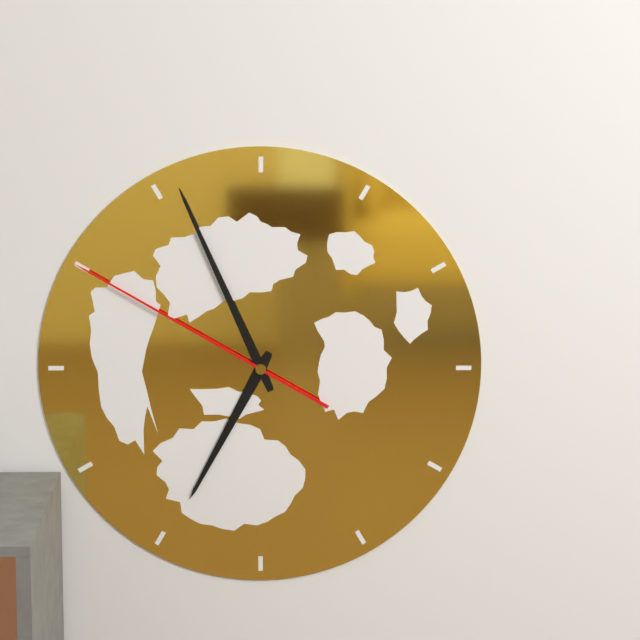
6:56:50
